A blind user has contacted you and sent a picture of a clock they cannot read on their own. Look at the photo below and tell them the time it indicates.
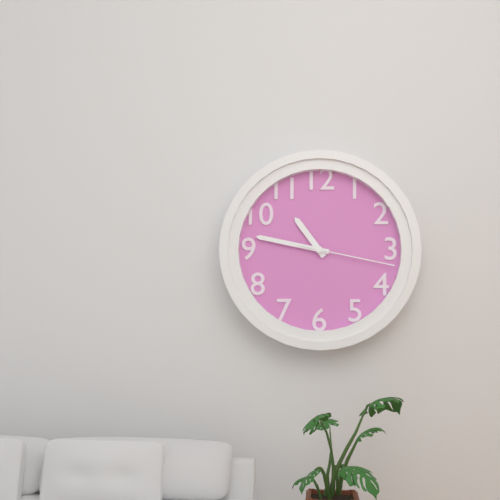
10:47:17
